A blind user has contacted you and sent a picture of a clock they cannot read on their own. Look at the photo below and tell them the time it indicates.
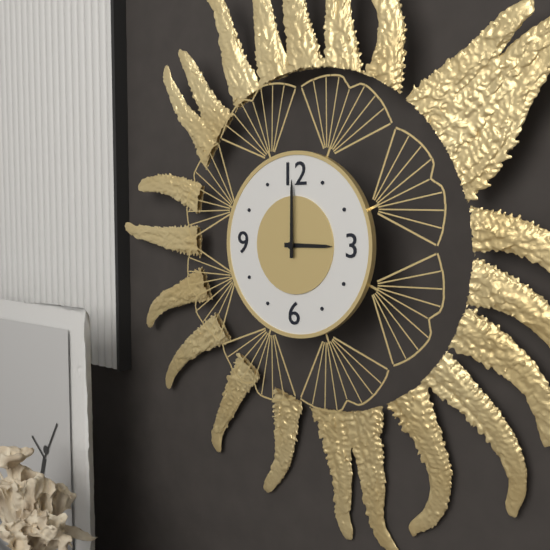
3:00
